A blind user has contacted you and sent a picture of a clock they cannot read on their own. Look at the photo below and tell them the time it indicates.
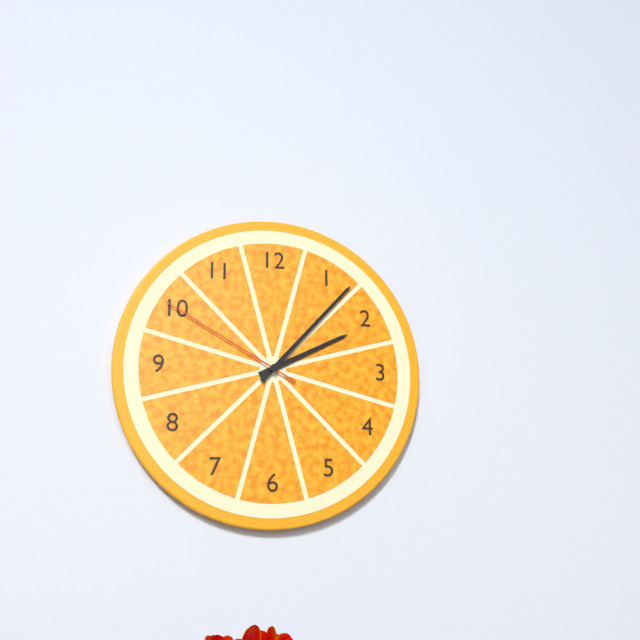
2:07:50
